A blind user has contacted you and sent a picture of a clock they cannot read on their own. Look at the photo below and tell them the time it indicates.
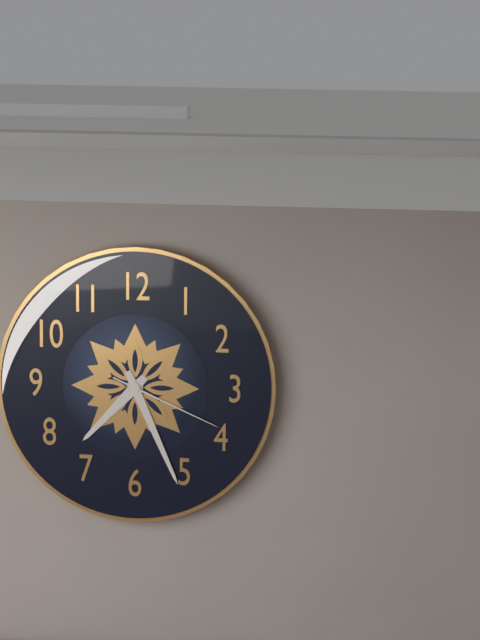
7:26:19
